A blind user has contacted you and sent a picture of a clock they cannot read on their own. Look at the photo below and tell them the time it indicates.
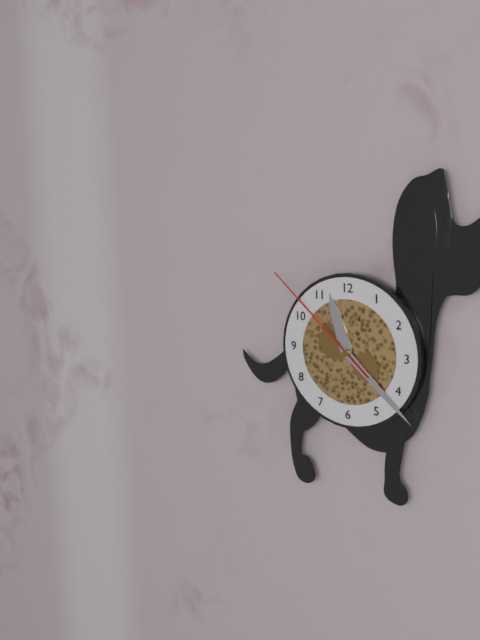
11:22:52
